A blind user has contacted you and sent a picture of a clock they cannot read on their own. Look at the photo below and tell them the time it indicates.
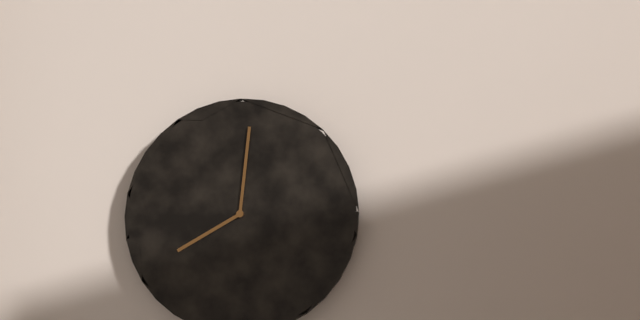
8:01
